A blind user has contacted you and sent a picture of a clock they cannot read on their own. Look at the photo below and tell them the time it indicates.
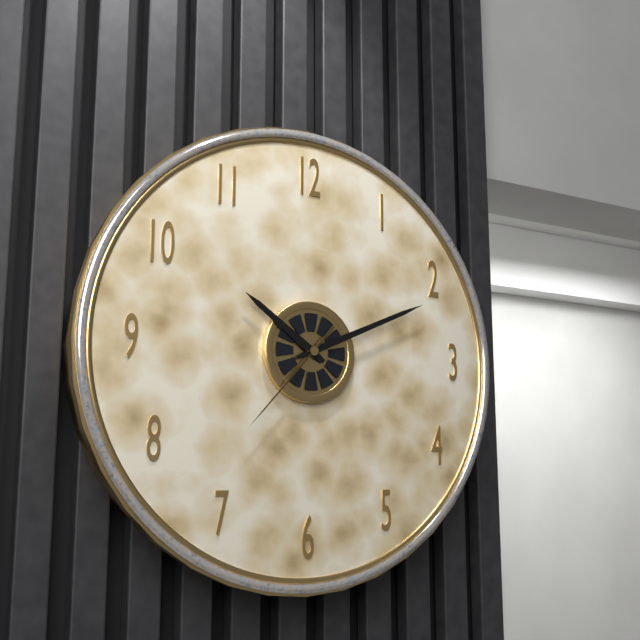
10:11:37
